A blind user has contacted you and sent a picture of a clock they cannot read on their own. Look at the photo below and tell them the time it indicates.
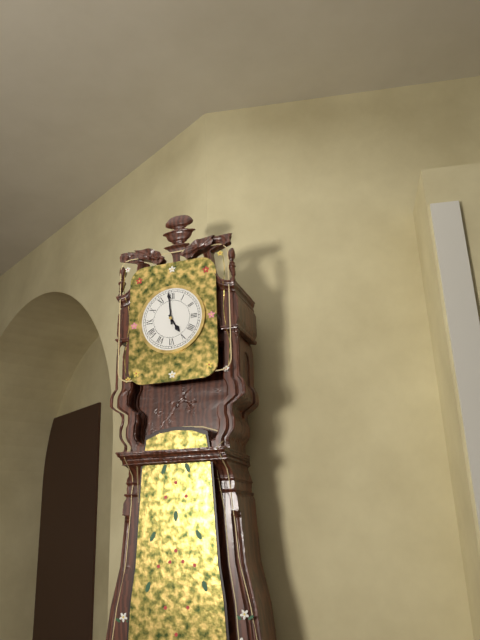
4:59
